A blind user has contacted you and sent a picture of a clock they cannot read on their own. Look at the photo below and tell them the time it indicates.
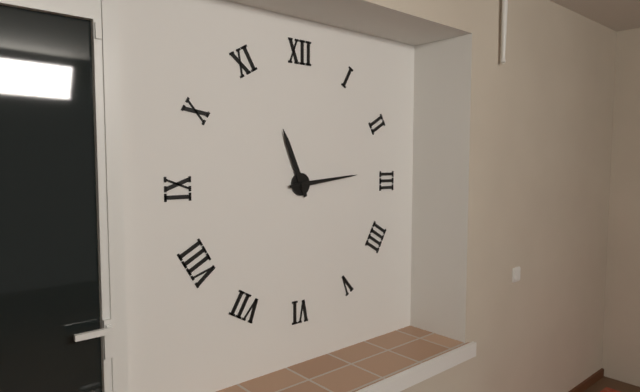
11:14
